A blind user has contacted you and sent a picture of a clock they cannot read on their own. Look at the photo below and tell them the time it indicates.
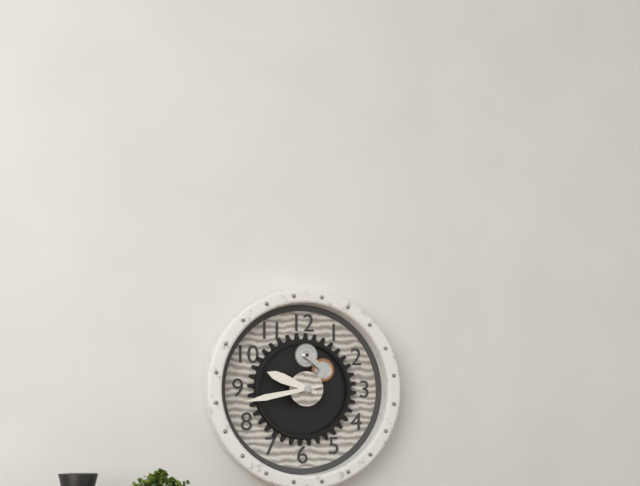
9:43
